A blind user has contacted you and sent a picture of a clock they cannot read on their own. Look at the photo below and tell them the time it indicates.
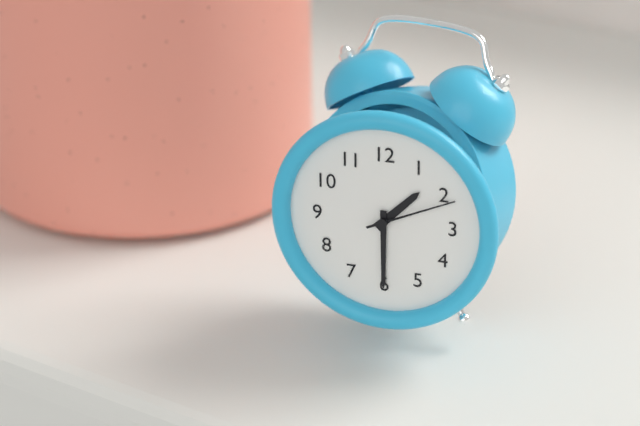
1:30:11
